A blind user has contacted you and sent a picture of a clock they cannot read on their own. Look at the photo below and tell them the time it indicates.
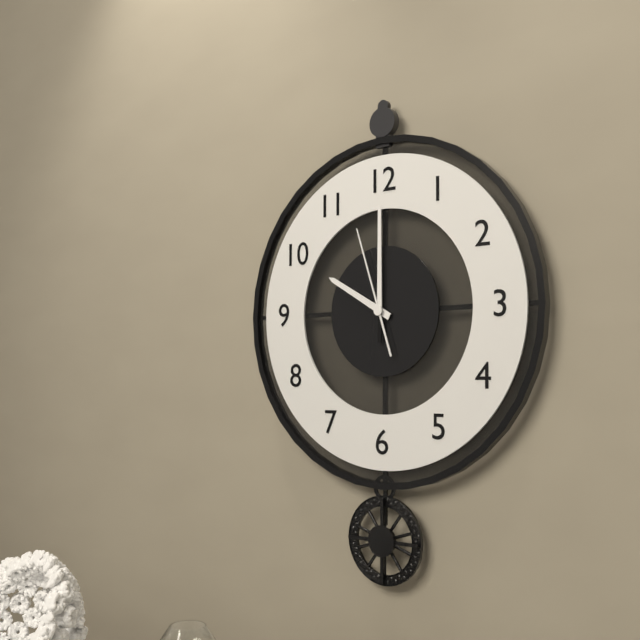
10:00:57
